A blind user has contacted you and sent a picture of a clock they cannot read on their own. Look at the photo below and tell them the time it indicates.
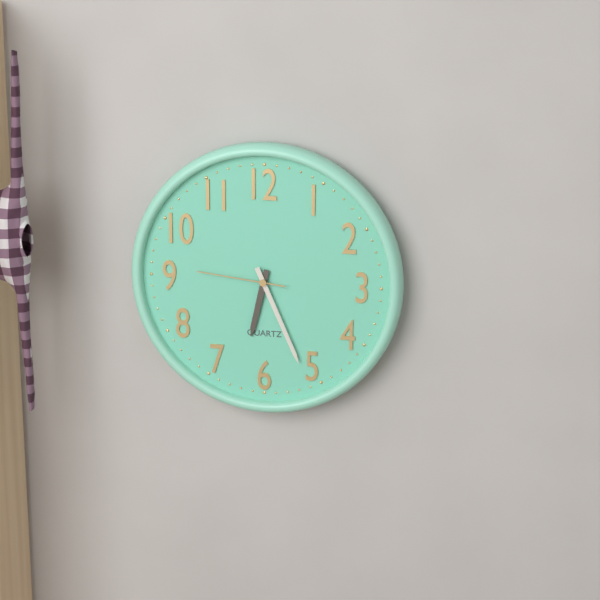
6:26:46
